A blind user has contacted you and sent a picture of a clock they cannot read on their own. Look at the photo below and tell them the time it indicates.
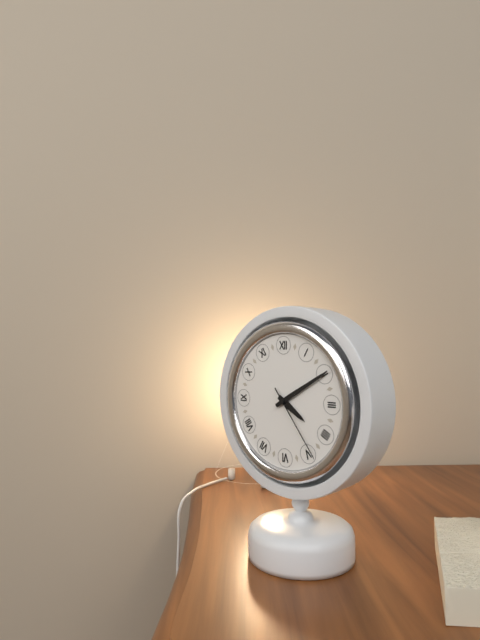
4:10:24
